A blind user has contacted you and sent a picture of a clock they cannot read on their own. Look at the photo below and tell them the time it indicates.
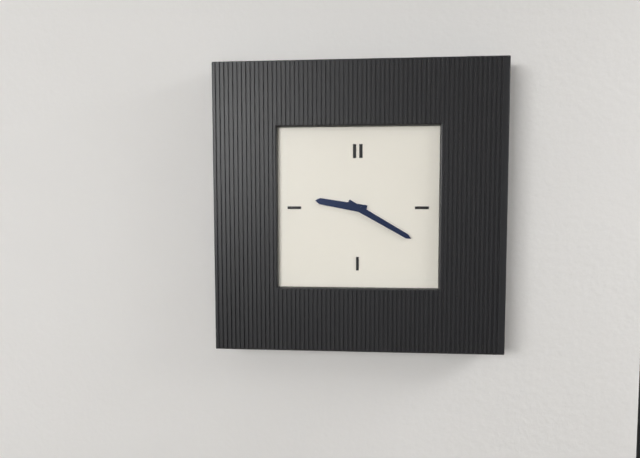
9:20
